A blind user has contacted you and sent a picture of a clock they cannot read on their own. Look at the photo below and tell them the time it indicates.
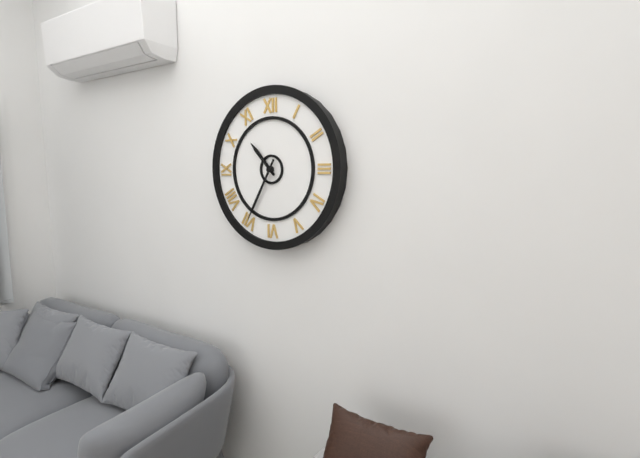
10:35
